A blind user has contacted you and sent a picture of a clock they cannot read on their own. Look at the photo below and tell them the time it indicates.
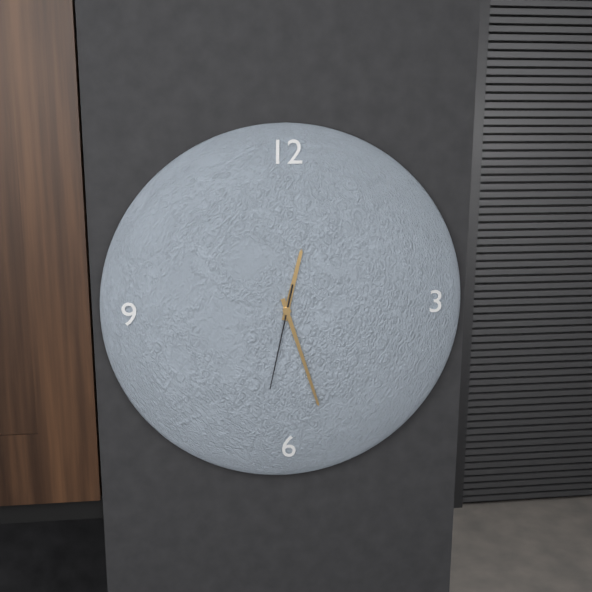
12:27:32
